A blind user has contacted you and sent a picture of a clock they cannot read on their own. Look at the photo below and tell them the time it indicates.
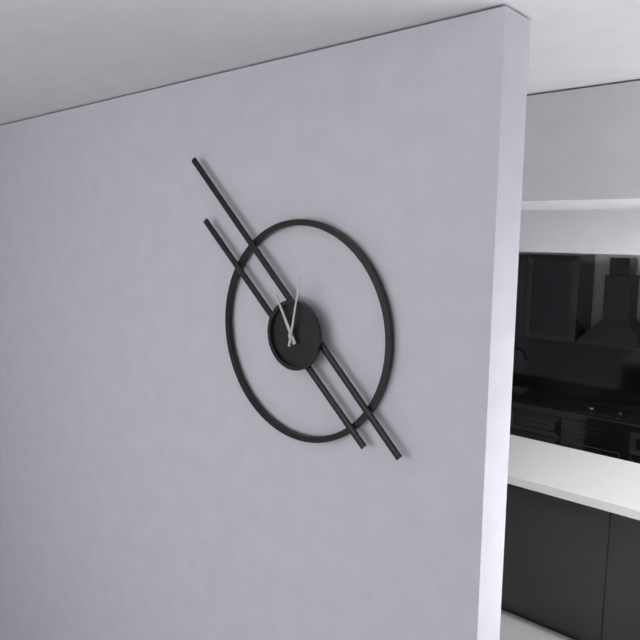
11:02
